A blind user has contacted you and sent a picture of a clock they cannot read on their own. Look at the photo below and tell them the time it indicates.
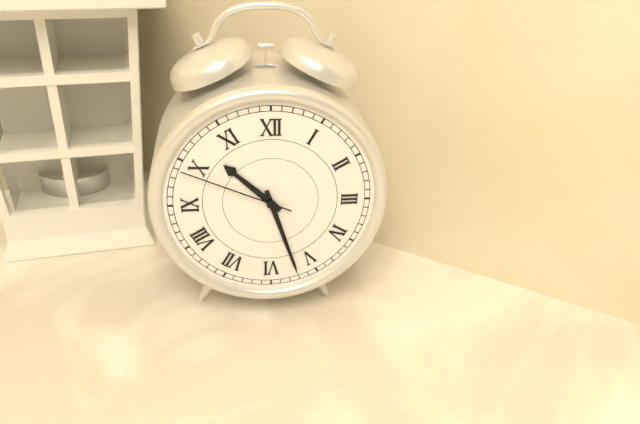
10:27:49
